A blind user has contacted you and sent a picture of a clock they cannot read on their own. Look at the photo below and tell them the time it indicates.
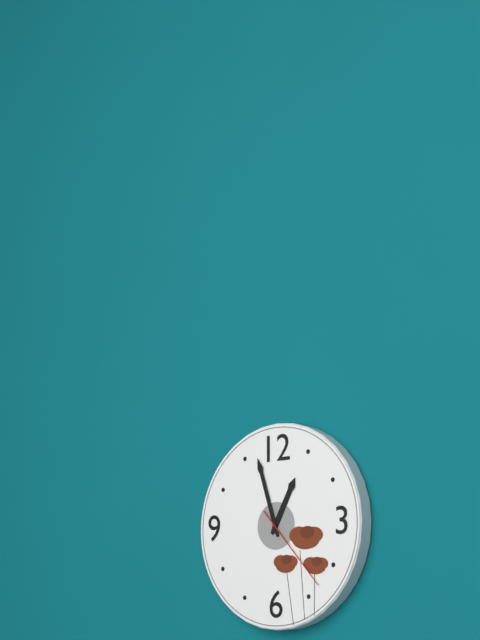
12:57:23
